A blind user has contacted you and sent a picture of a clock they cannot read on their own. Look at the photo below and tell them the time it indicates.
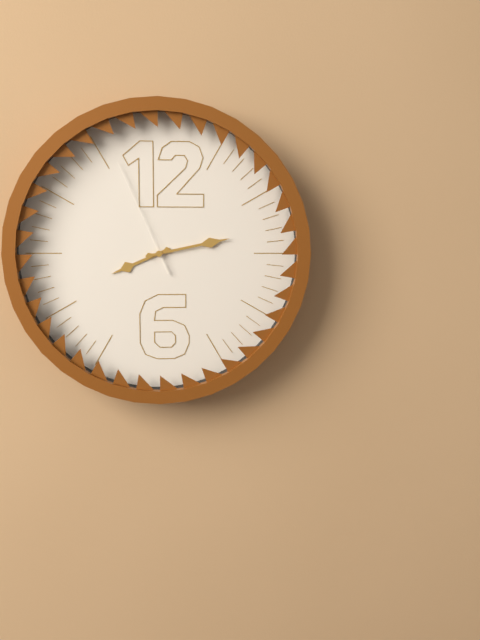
8:13:56
